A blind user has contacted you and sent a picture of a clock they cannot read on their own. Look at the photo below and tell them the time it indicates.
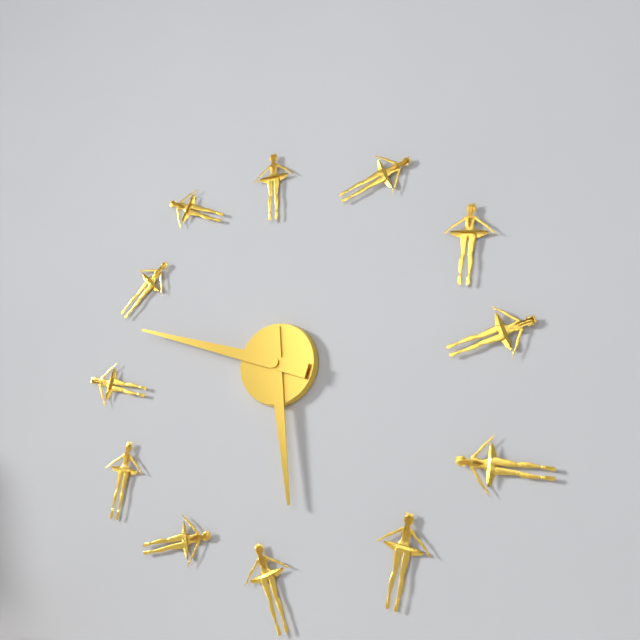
5:48
